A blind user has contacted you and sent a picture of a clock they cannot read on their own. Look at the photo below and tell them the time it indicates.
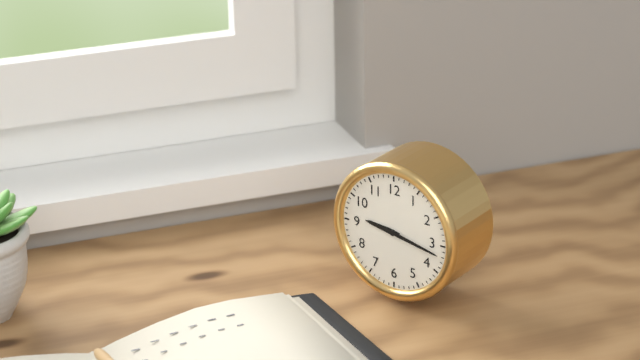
9:17
